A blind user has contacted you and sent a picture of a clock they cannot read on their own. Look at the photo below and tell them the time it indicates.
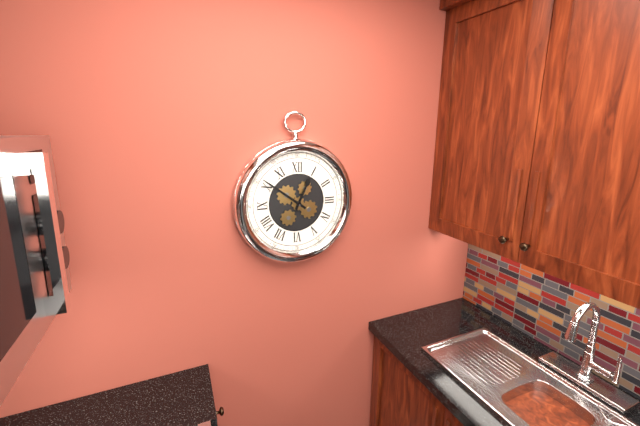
12:51
